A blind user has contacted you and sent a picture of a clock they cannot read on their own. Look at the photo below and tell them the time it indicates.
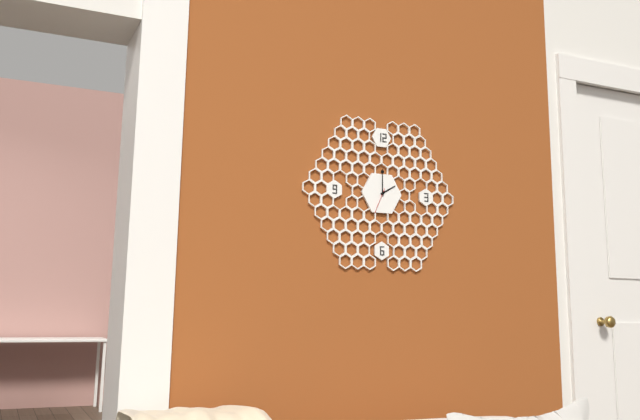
2:00
